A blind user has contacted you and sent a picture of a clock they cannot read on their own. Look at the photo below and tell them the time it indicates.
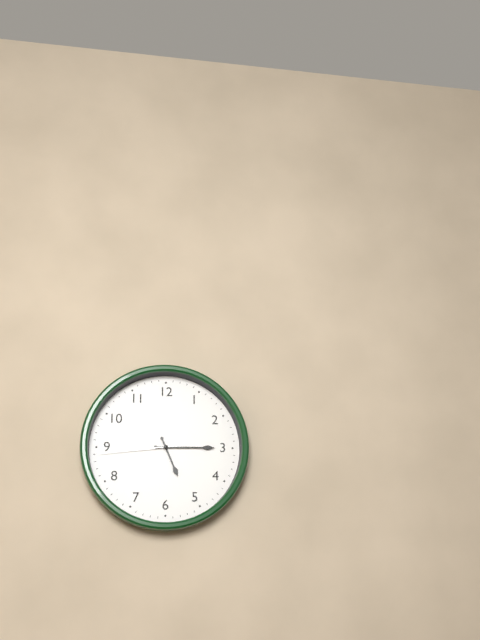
5:15:44
